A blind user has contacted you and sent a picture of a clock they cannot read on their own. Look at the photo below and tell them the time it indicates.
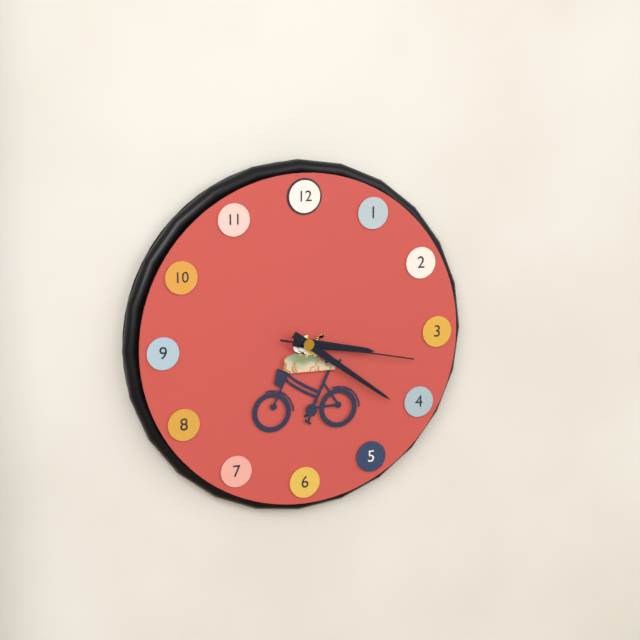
3:21:17
